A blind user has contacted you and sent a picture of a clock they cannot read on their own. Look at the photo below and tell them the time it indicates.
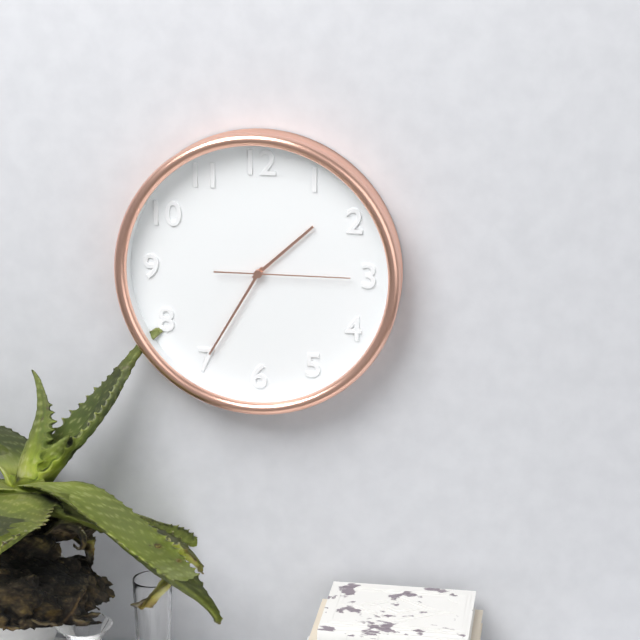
1:35:15
